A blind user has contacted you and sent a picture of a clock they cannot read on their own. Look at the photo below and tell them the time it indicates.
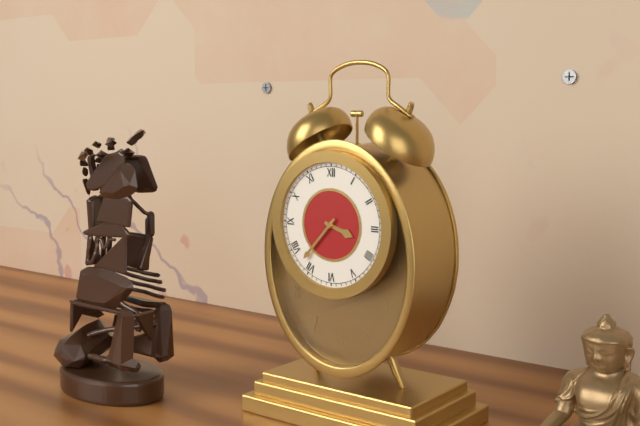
3:37
